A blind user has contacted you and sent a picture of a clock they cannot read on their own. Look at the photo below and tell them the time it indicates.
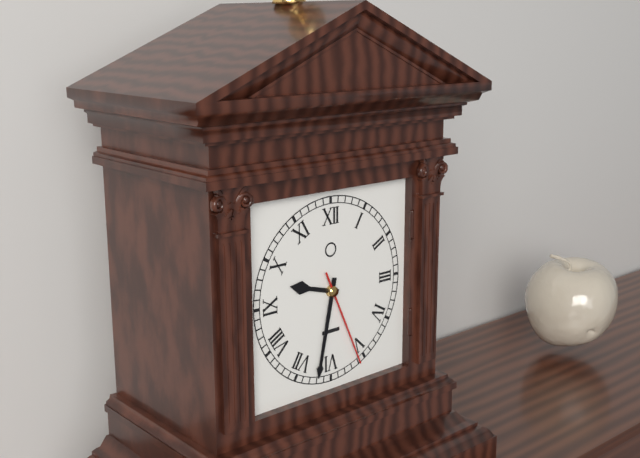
9:32:26
